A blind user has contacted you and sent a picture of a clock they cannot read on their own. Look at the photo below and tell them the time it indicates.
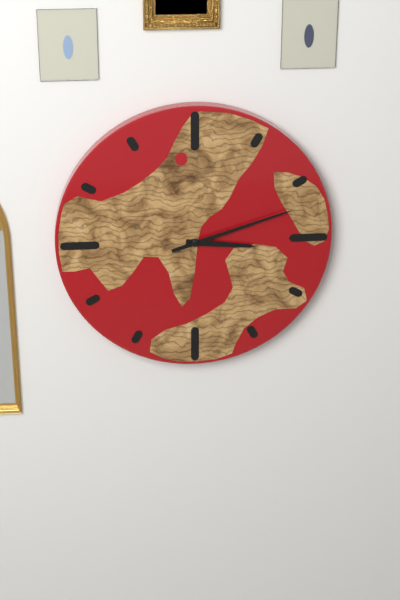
3:12
